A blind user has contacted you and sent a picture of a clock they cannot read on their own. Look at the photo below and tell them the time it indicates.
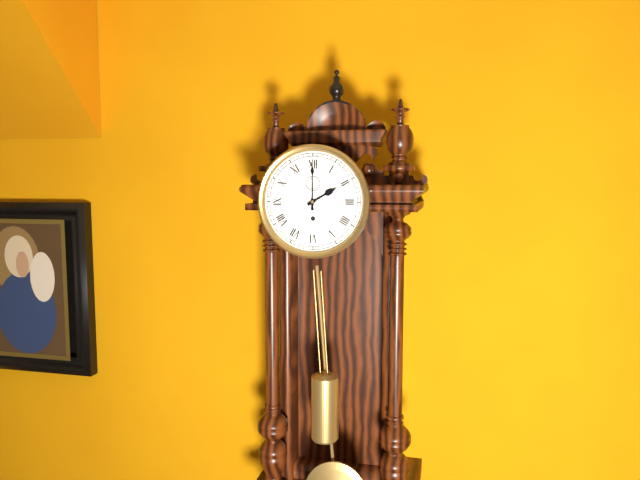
2:00
